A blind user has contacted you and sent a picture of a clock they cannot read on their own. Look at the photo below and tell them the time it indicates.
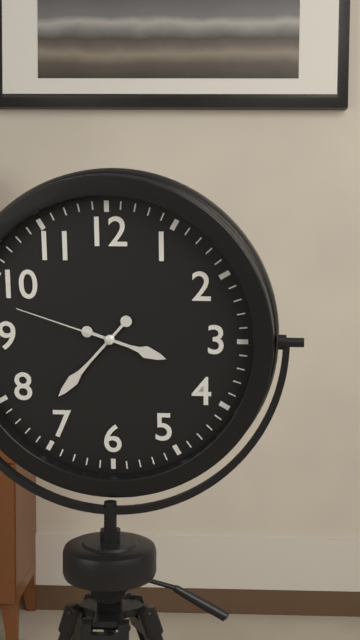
3:37:48
